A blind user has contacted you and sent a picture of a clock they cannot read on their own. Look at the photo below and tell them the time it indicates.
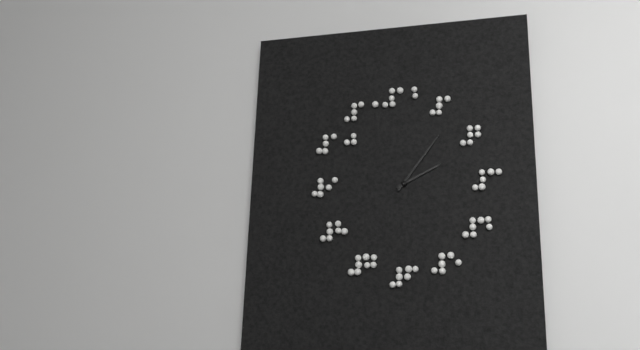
2:06
